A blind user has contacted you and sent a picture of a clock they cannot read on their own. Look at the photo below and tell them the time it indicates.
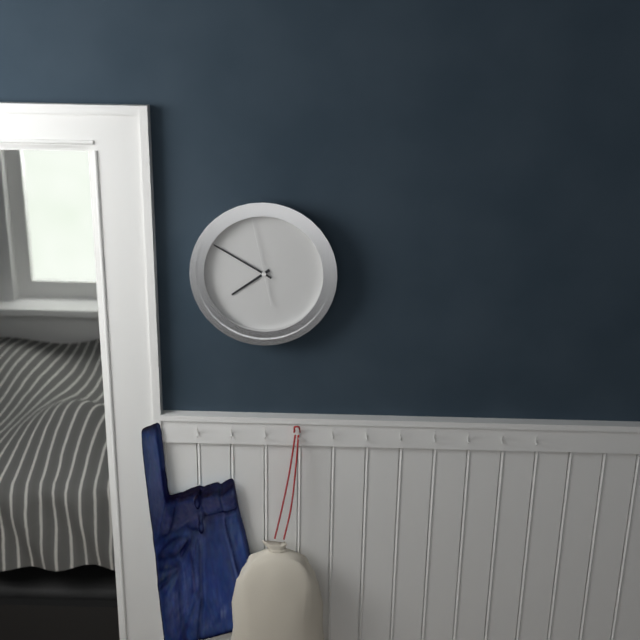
7:50:58
